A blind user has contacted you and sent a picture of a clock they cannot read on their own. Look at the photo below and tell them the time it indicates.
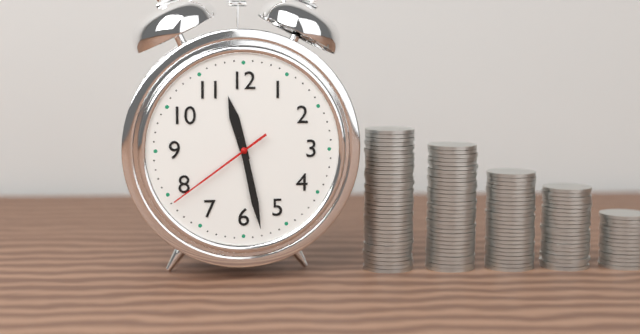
11:28:39
